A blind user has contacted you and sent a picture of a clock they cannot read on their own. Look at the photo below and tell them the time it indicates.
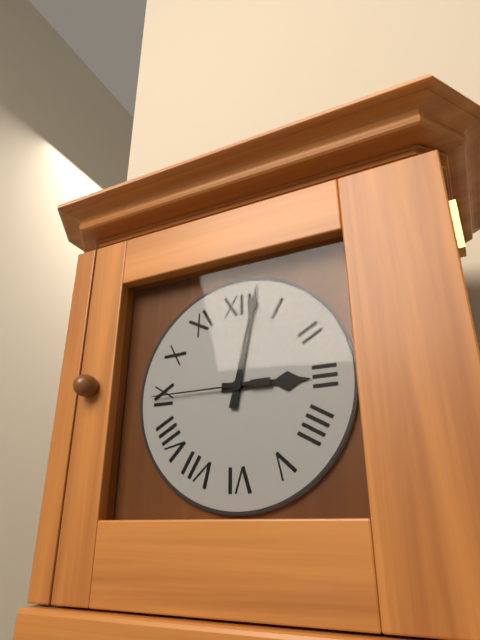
3:02:45
